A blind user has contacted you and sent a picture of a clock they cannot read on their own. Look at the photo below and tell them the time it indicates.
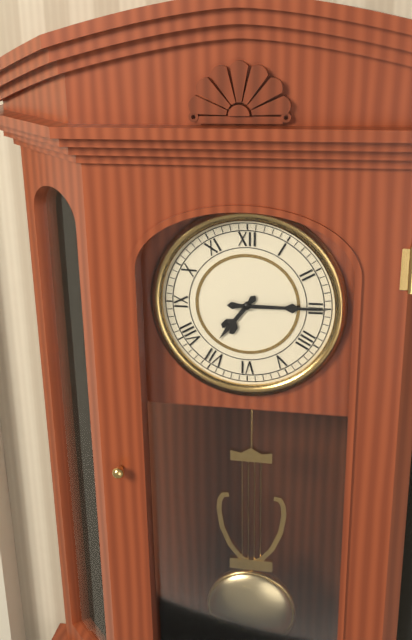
7:15
